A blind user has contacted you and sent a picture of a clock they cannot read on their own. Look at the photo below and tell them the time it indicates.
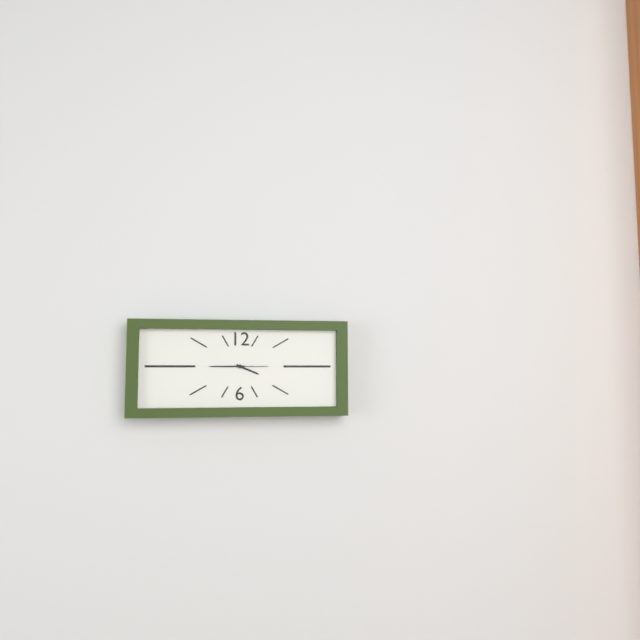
3:45
